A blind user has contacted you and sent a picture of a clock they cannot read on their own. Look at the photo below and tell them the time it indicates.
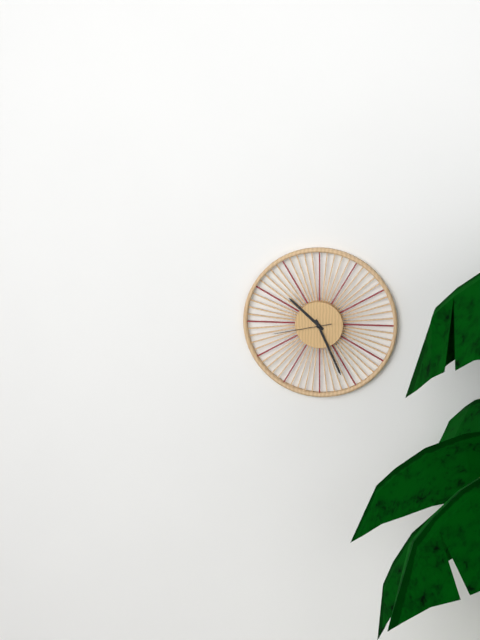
10:26:43
